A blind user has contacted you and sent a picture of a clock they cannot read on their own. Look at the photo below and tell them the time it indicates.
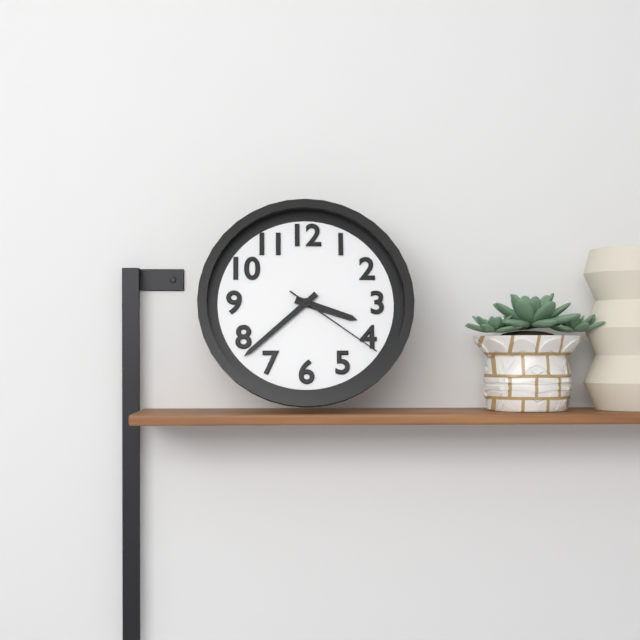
3:38:21
